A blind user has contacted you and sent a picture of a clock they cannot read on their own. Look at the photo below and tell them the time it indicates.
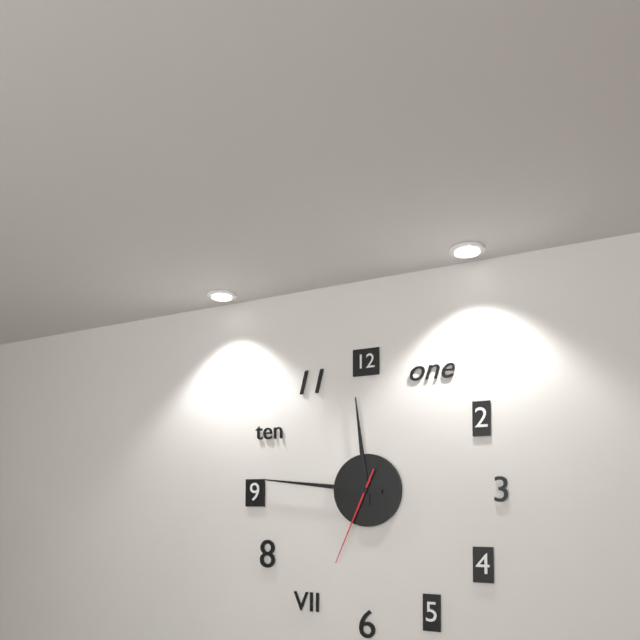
11:46:34
